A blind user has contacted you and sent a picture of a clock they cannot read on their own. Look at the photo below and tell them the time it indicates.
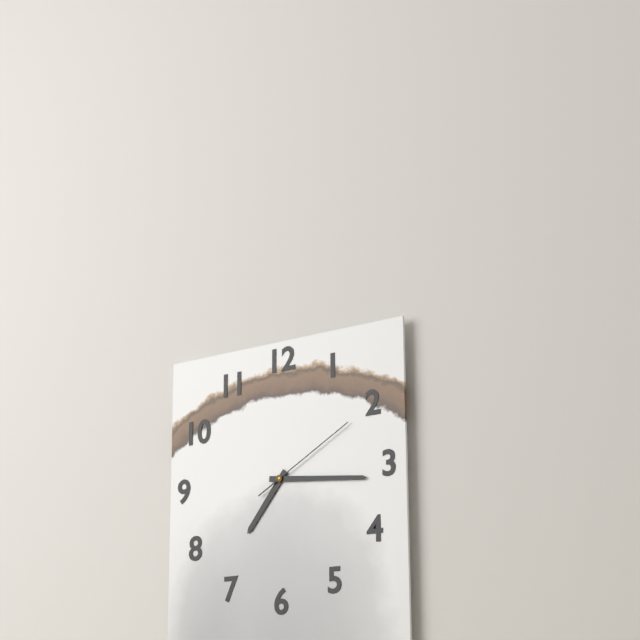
7:16:10
